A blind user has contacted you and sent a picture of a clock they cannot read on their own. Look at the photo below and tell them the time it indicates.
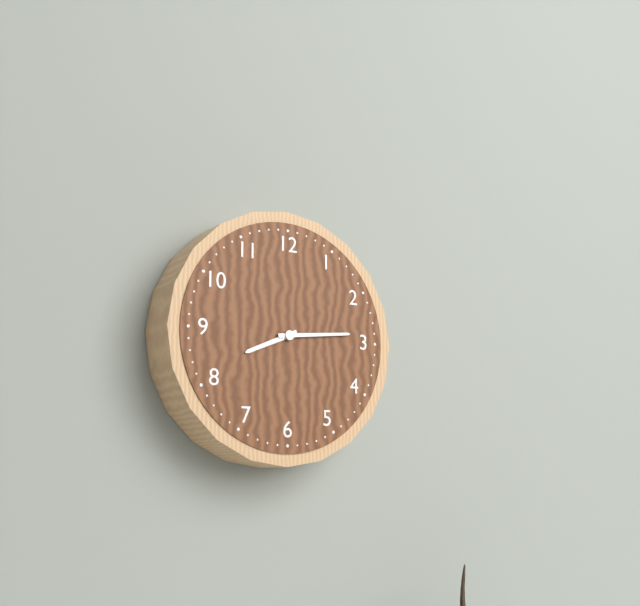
8:14
